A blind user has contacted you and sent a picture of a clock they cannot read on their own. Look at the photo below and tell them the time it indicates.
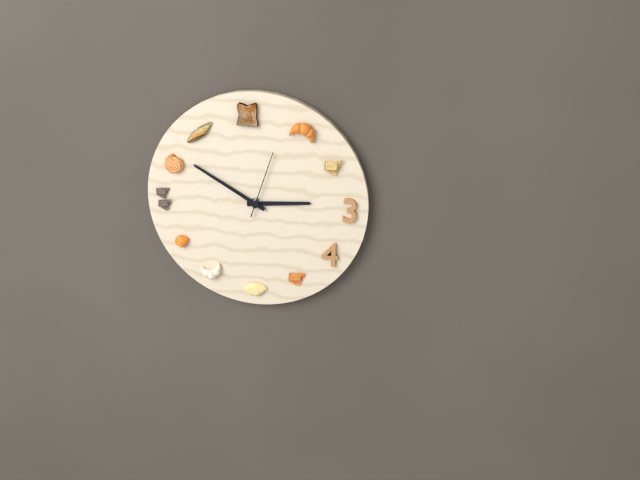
2:50:03
